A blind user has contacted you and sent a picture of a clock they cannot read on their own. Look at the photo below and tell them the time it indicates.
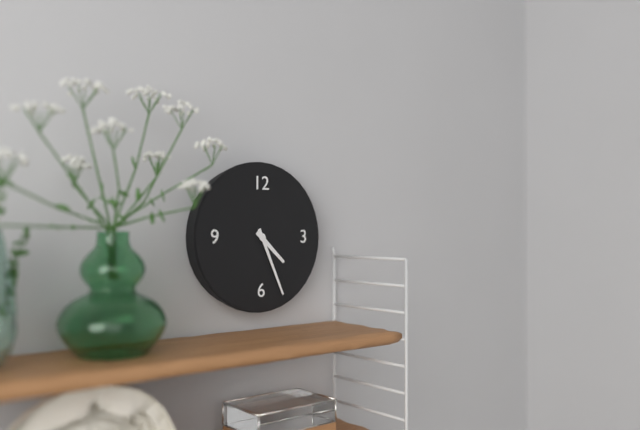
4:26
